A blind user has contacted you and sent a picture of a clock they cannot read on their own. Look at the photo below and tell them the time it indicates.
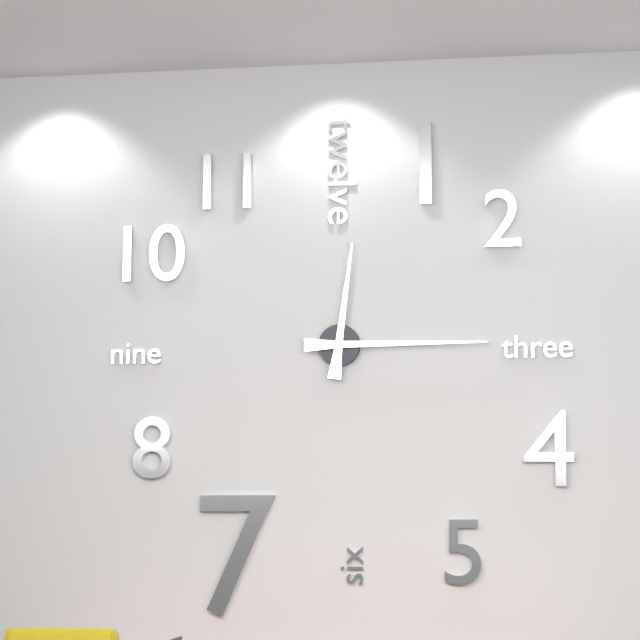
12:15
